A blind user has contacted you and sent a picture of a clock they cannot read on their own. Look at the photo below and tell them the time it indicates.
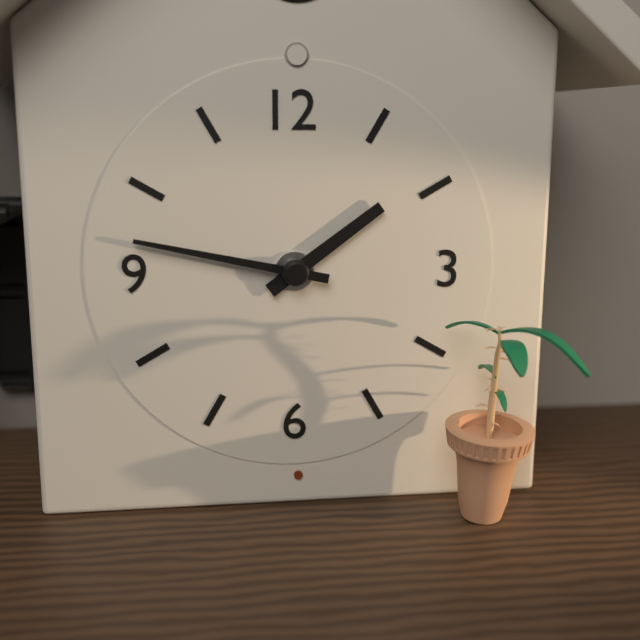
1:47
